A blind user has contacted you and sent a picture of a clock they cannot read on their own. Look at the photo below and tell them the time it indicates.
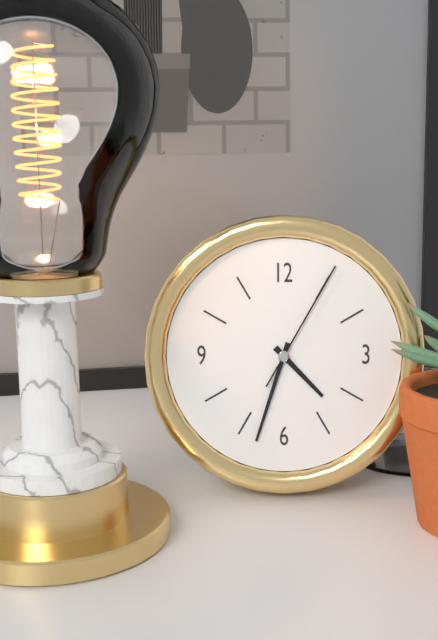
4:33:05
